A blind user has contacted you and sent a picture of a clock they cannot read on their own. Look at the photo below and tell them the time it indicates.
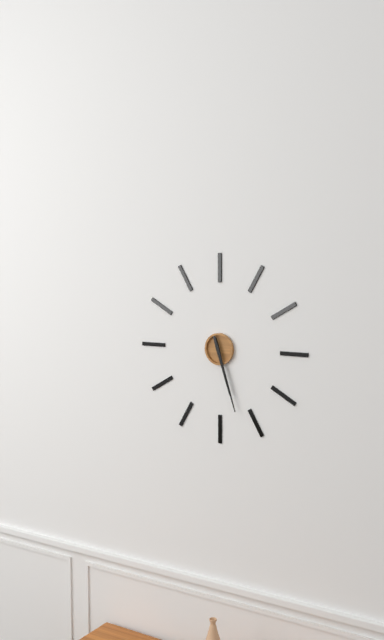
5:27
